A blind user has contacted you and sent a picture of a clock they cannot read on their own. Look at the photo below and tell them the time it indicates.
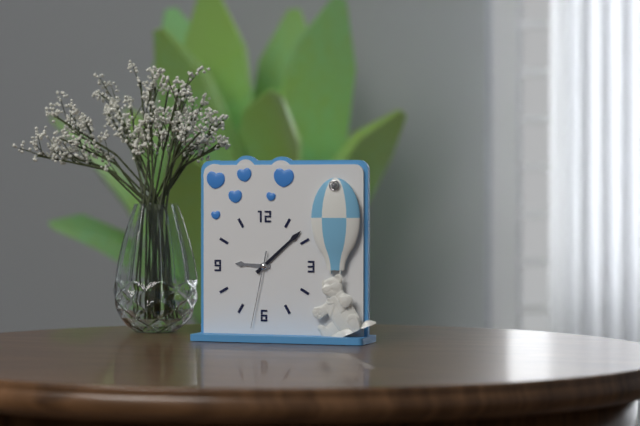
9:08:32
